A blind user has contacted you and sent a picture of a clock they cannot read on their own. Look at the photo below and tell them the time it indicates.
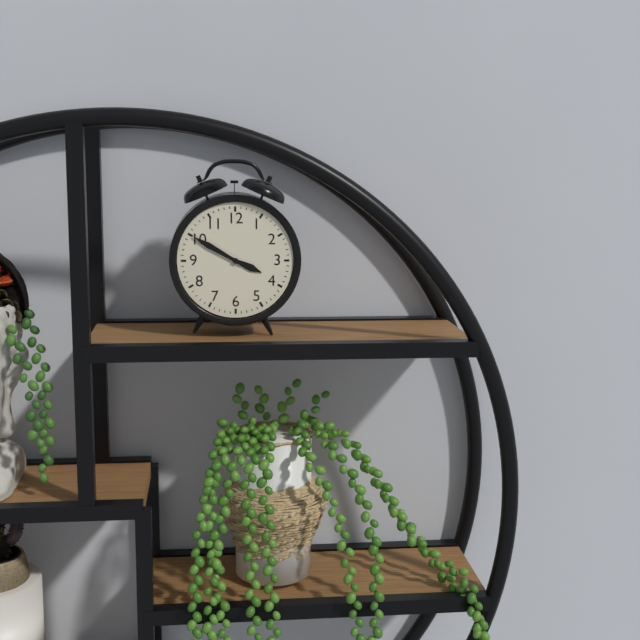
3:50
